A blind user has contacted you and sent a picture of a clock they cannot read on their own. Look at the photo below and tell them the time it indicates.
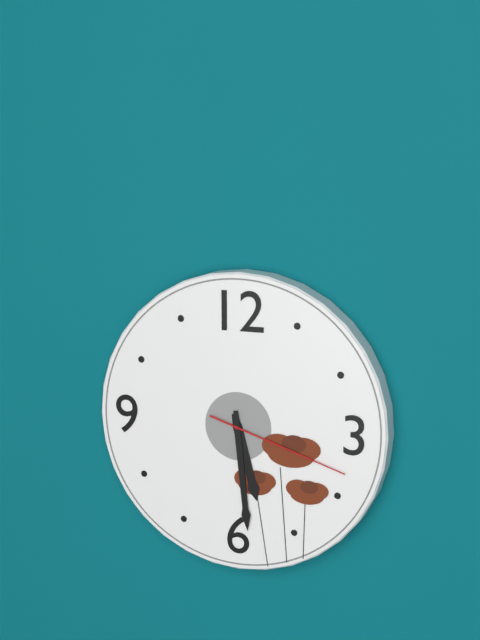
5:29:18
